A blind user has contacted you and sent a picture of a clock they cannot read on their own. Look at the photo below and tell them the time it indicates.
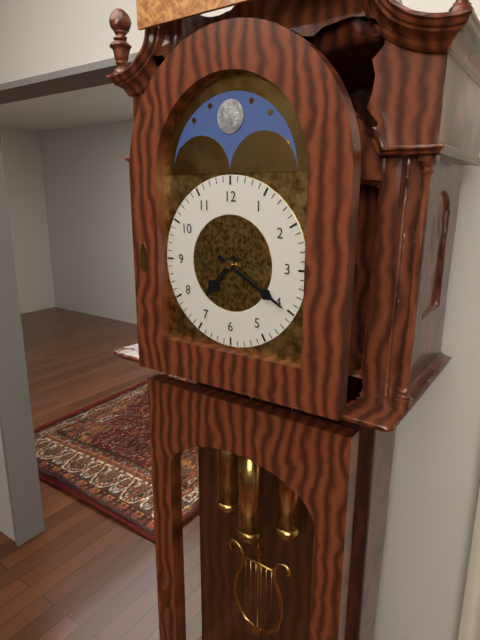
7:20
